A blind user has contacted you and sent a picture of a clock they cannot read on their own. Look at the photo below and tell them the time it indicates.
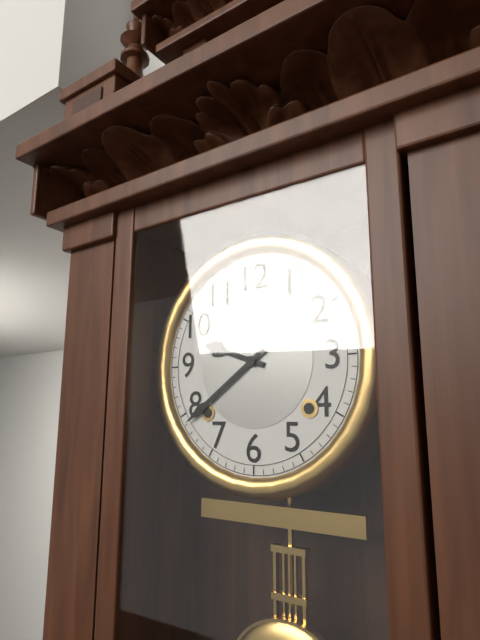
9:39
